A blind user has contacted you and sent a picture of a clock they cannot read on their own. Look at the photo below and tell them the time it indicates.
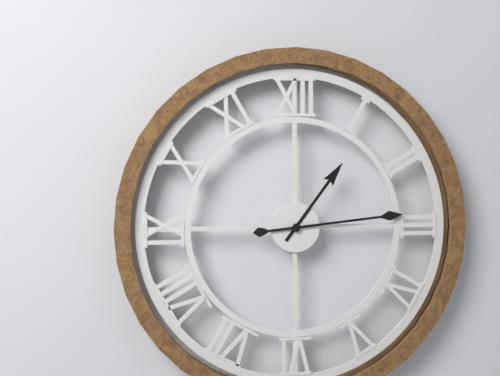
1:14
